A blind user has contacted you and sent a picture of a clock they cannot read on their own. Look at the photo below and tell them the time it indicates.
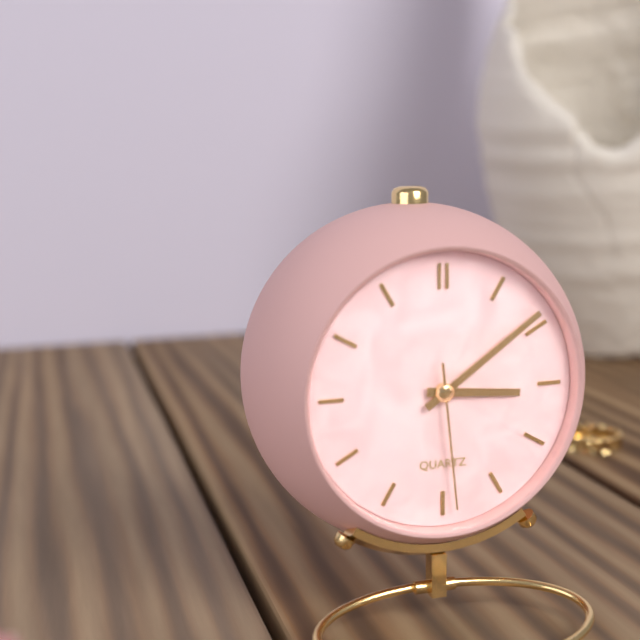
3:09:29
